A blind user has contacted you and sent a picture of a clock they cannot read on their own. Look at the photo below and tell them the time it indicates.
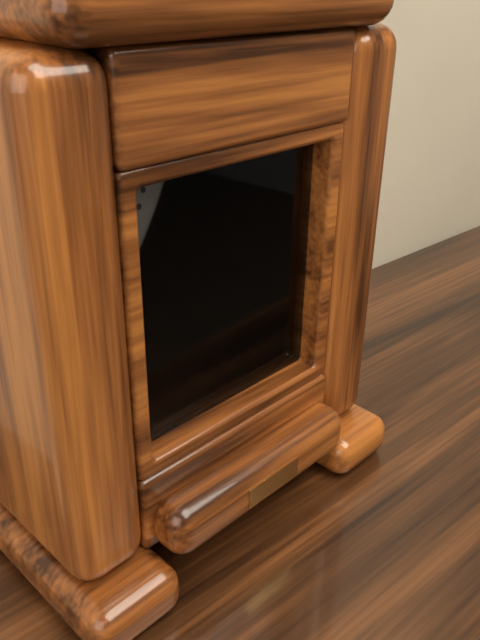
11:08:13
